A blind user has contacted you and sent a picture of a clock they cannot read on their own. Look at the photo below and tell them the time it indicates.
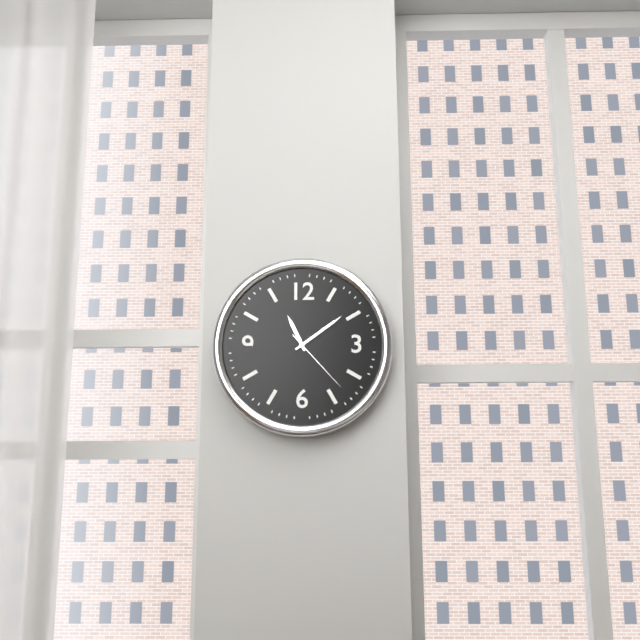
11:09:23
